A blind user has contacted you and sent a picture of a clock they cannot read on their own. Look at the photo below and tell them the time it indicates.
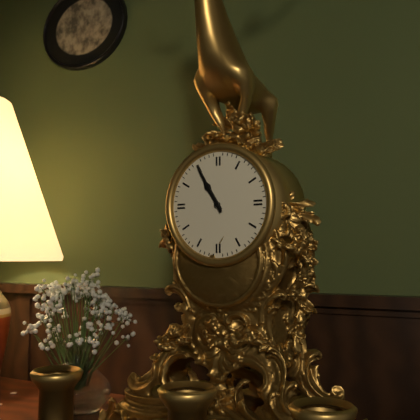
10:55
